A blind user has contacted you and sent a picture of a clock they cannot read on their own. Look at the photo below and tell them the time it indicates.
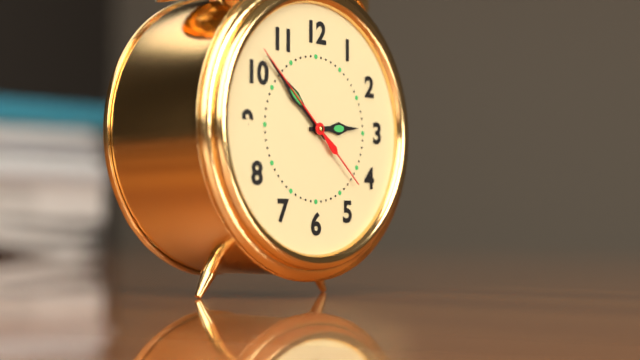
2:52:52
